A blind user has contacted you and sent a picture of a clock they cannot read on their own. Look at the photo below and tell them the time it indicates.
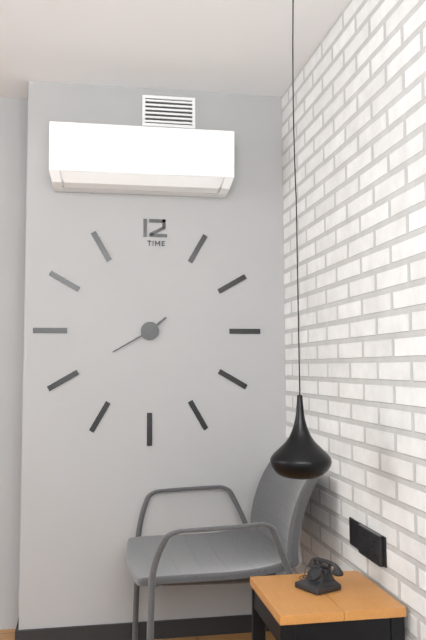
1:40
